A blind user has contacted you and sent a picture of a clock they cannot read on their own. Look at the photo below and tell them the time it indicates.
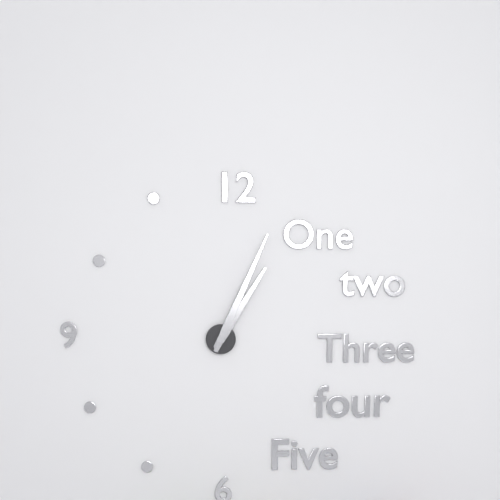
1:04
